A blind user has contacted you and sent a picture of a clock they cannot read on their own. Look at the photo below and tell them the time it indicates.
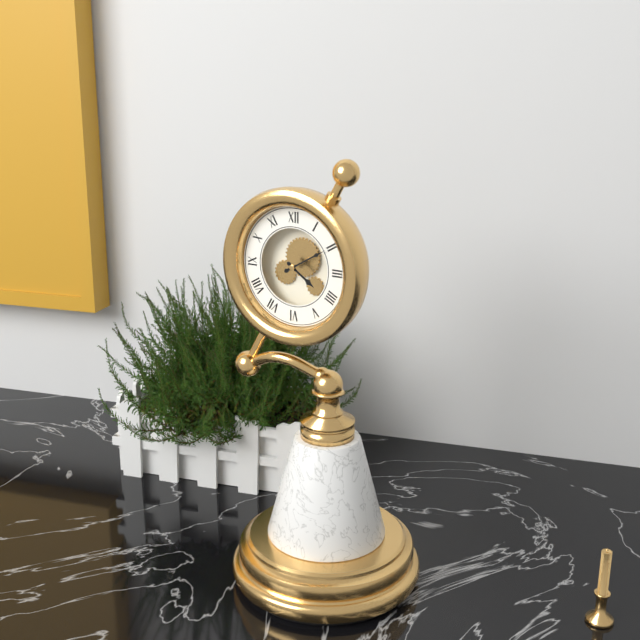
4:10
